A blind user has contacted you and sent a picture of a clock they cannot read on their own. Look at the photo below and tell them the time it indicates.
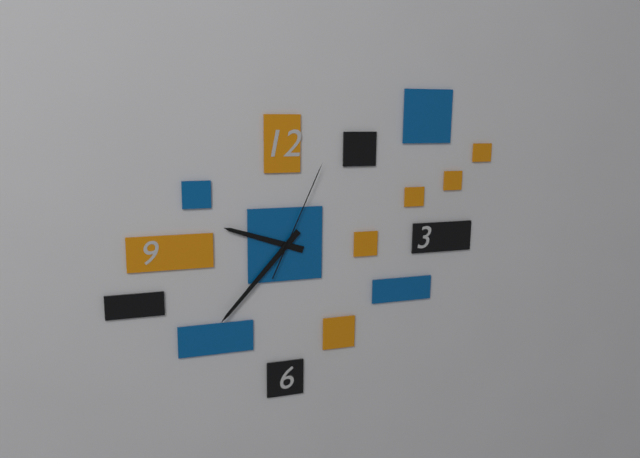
9:37:04
